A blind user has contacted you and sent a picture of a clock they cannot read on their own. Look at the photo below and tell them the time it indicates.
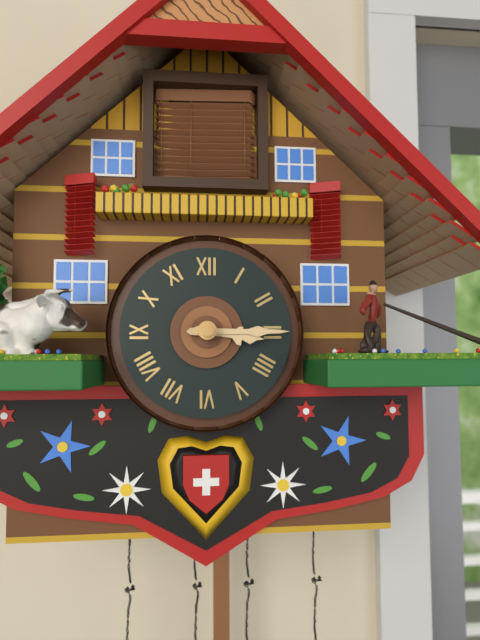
3:15
